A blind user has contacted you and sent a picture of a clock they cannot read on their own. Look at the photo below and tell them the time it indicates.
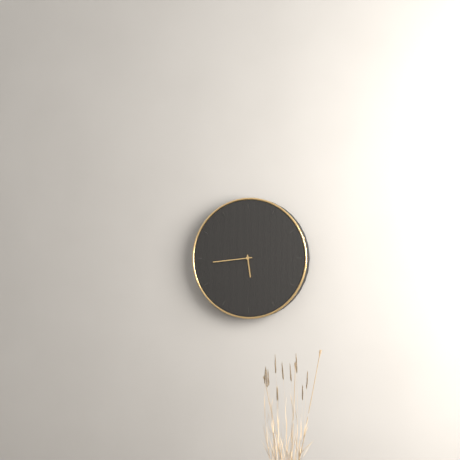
5:44
